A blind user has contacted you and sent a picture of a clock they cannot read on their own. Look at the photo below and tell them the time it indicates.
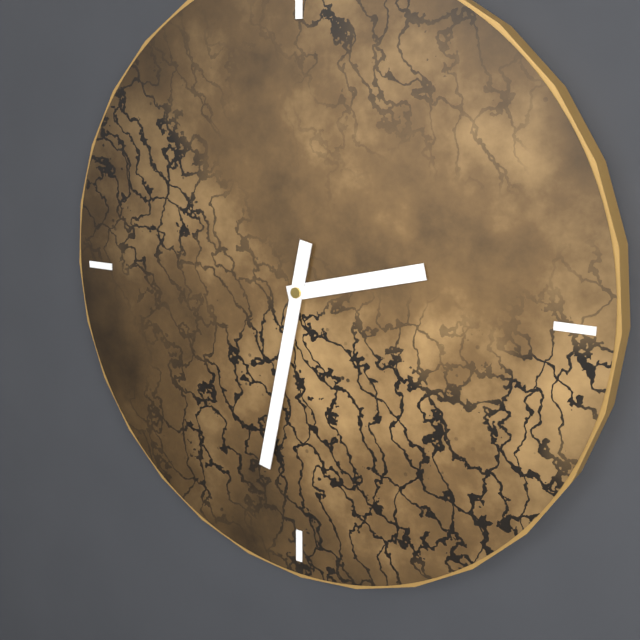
2:32
